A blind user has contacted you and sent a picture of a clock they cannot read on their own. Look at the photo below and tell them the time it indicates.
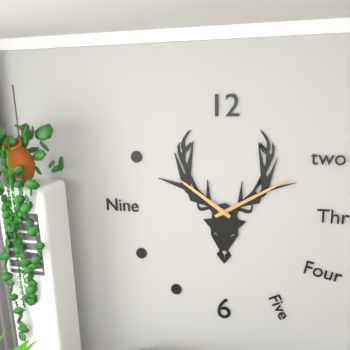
10:10
